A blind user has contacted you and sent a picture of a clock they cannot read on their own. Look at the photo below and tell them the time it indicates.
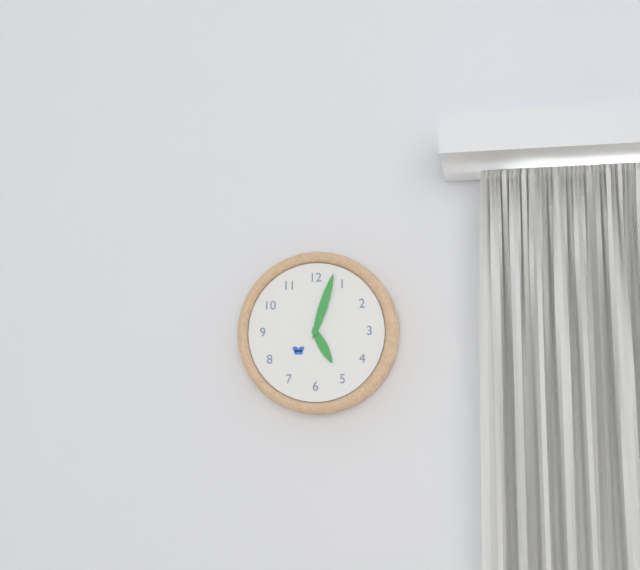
5:03
